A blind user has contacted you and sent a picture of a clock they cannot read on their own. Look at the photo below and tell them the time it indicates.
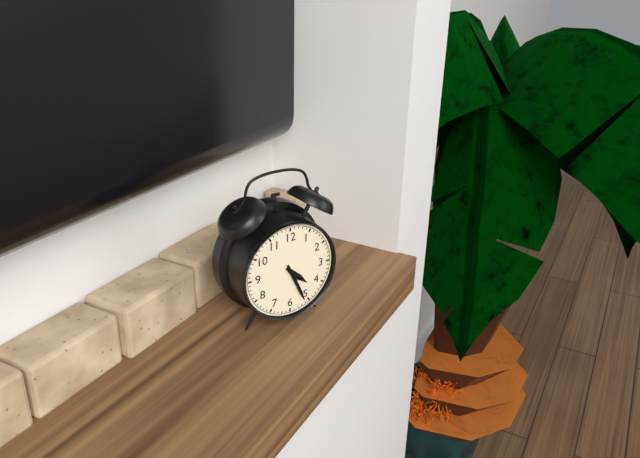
4:26
